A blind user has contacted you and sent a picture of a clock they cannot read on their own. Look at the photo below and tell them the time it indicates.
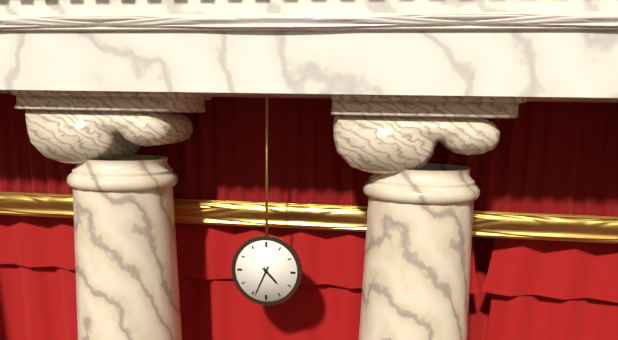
4:34
